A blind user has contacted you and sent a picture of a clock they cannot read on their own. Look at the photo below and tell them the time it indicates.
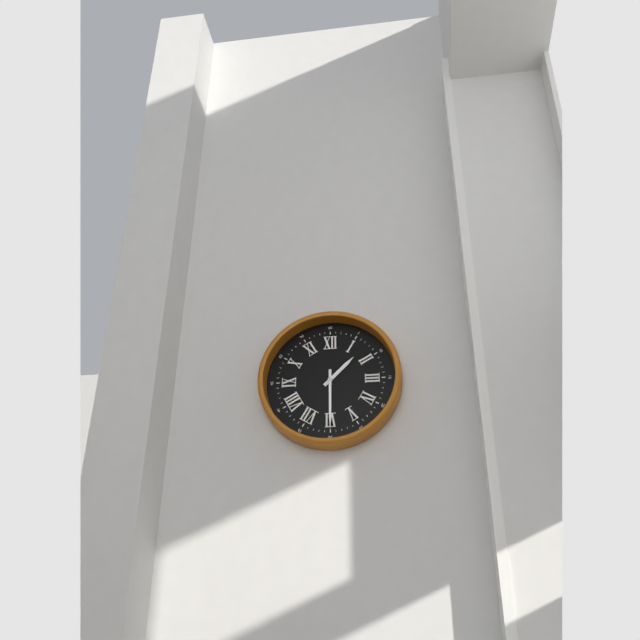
1:30
